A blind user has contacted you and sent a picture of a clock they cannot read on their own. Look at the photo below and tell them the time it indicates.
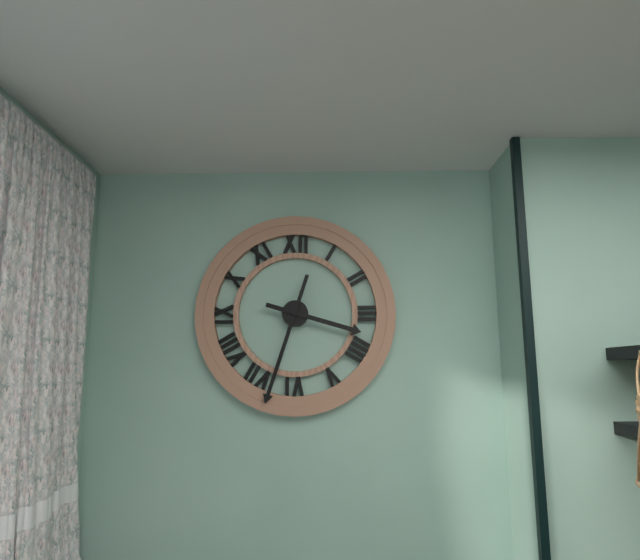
3:33
